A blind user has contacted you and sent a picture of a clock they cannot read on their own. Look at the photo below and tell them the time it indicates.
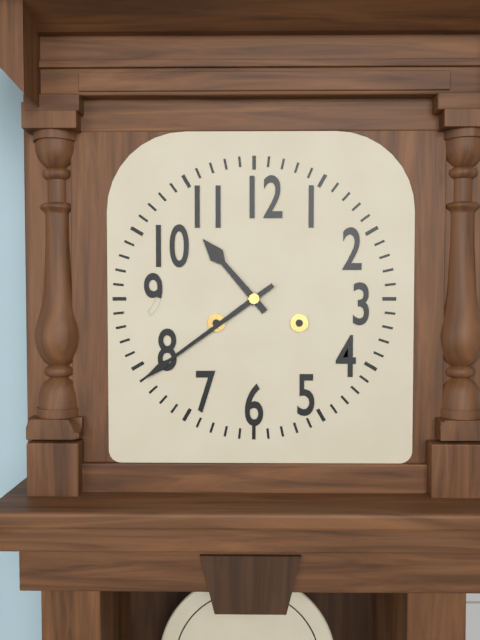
10:39
